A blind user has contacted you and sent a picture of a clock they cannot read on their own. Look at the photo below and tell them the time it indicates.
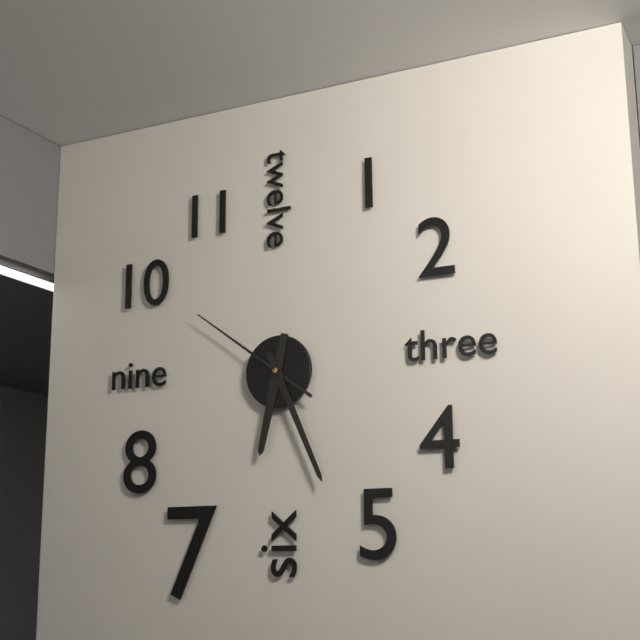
6:26:51
